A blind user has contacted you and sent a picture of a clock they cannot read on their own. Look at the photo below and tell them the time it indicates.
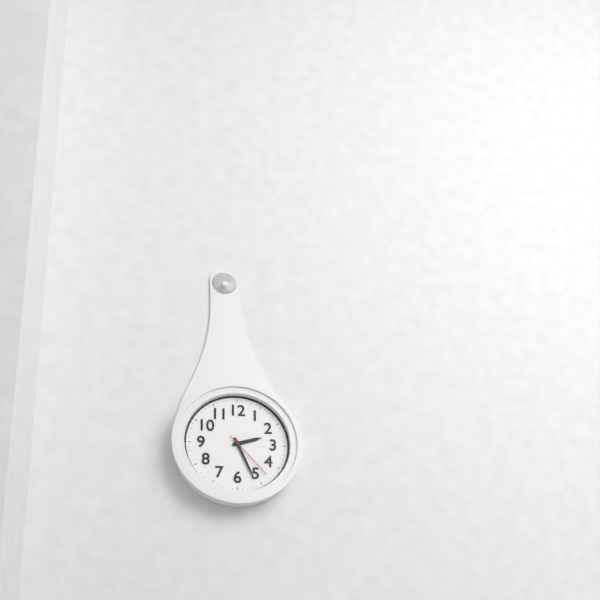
2:26:23
